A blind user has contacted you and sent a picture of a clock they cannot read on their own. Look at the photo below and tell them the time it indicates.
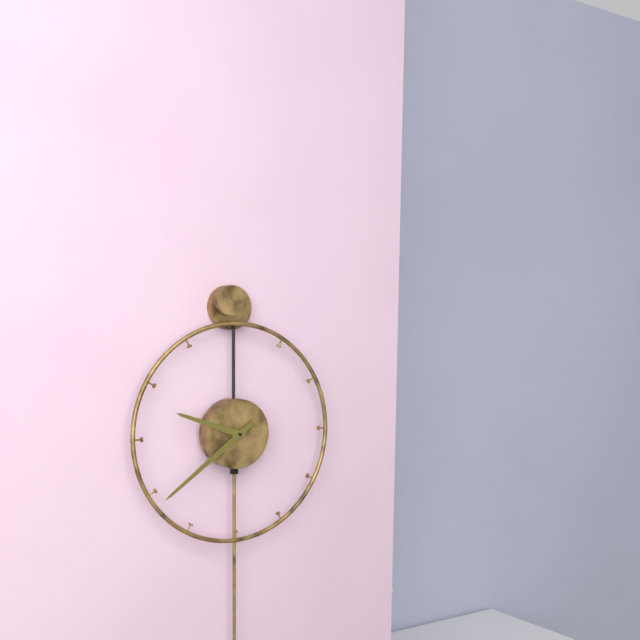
9:39
